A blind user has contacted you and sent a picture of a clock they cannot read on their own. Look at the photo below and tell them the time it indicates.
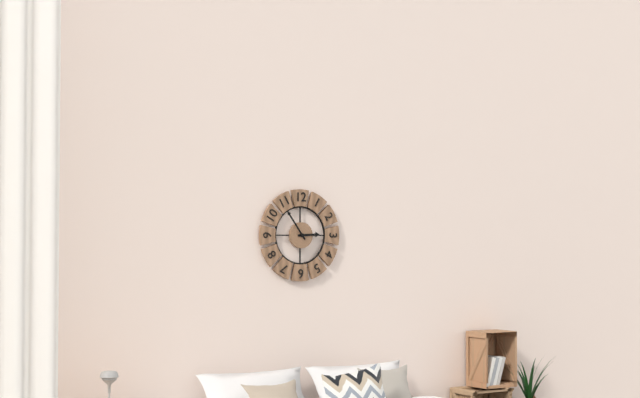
2:54
